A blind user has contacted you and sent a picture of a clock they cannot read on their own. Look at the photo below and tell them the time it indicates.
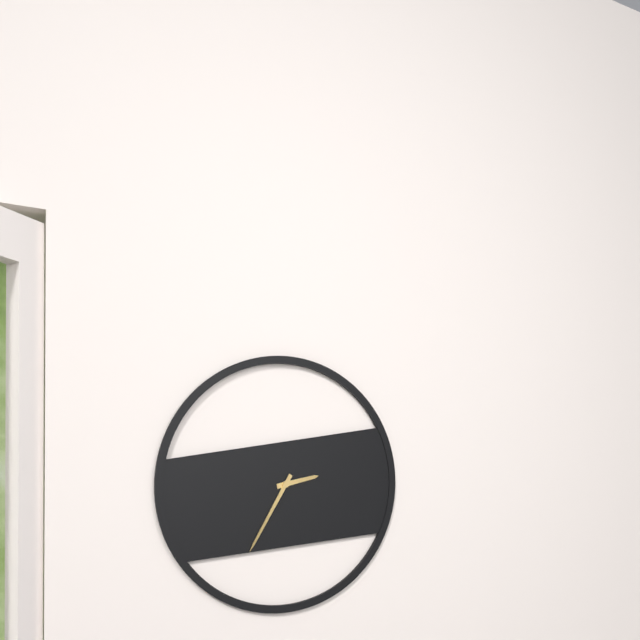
2:35
